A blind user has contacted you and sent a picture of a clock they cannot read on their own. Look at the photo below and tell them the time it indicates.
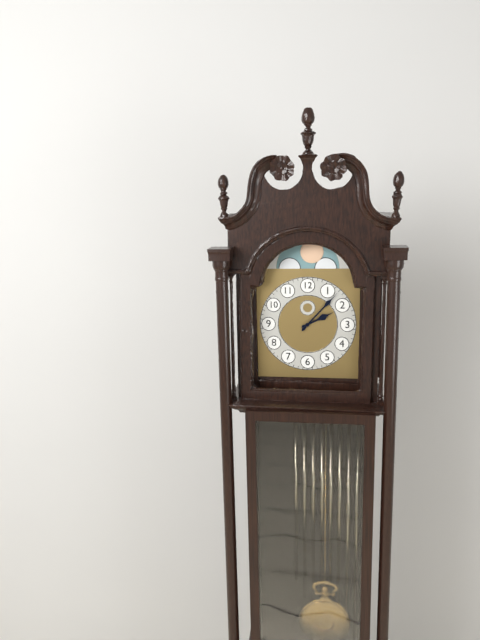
2:07
